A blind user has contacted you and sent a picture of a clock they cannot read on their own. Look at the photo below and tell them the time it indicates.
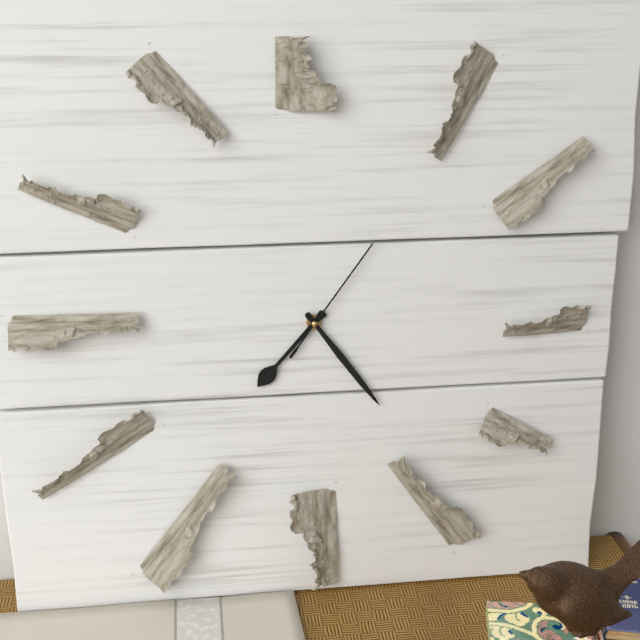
7:24:06
